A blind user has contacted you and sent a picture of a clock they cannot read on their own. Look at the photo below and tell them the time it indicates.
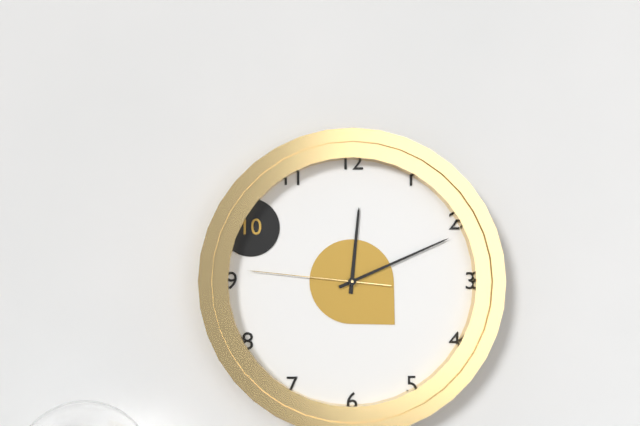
12:11:46
